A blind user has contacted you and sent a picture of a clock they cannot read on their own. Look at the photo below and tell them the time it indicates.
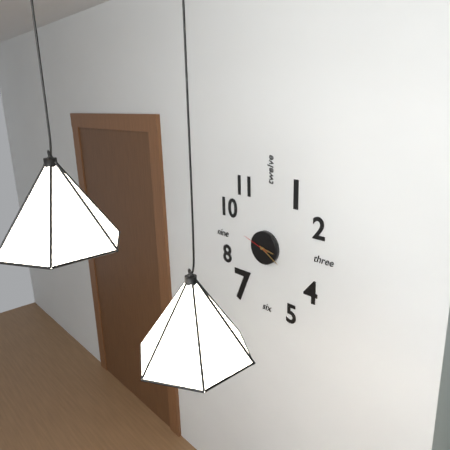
3:20
